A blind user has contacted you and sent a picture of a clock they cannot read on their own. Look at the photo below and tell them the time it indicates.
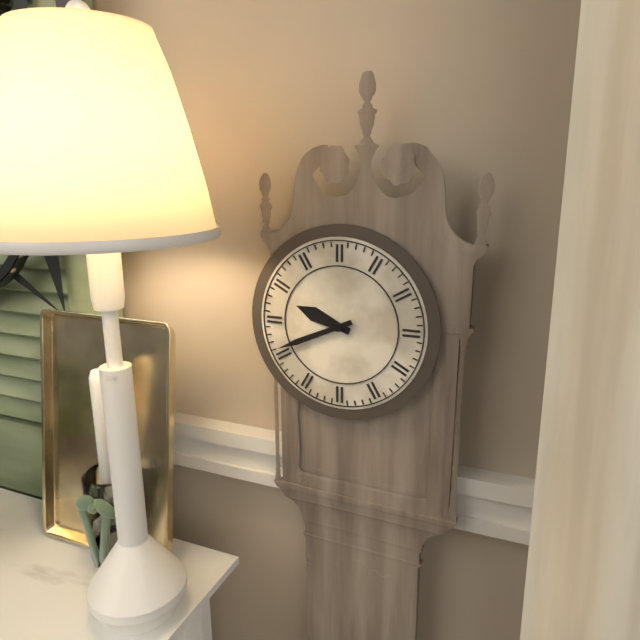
9:41
